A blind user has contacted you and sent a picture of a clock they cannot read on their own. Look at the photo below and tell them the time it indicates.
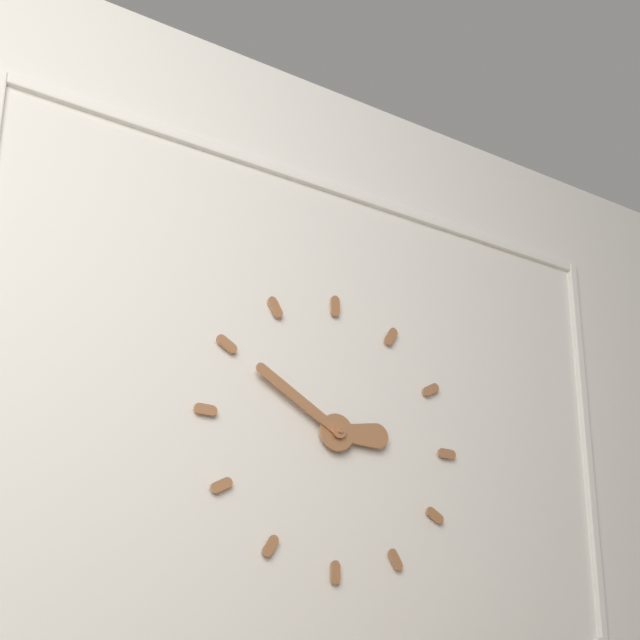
2:50
